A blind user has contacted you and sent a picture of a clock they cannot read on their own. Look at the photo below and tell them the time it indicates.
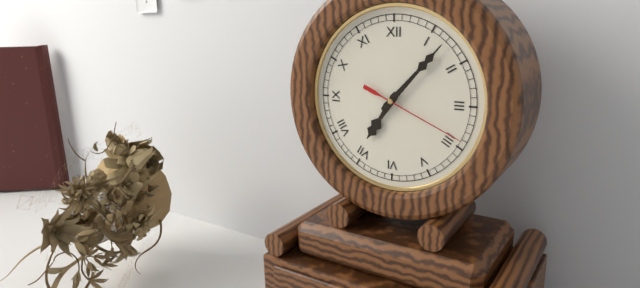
7:07:19
